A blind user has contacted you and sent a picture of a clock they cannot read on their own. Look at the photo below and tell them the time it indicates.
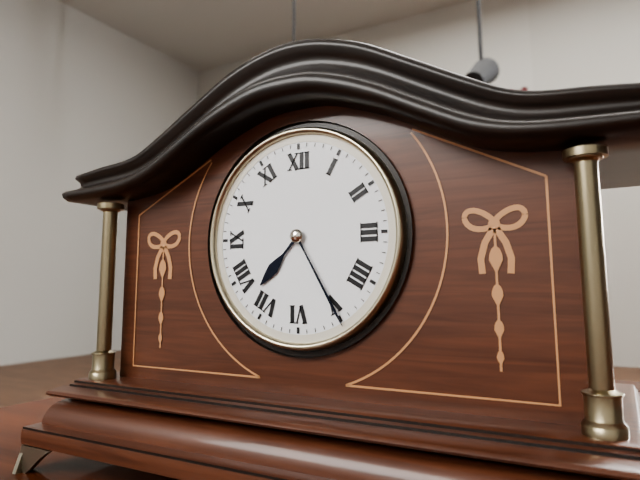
7:25
